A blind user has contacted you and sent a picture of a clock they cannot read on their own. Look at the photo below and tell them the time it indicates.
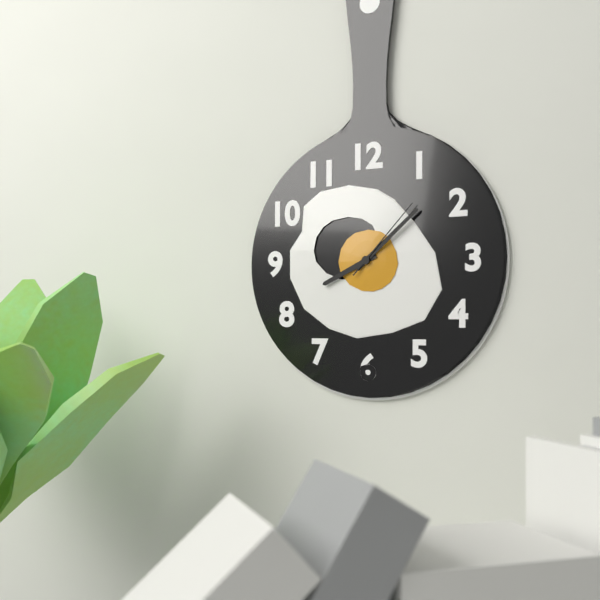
8:08:07
